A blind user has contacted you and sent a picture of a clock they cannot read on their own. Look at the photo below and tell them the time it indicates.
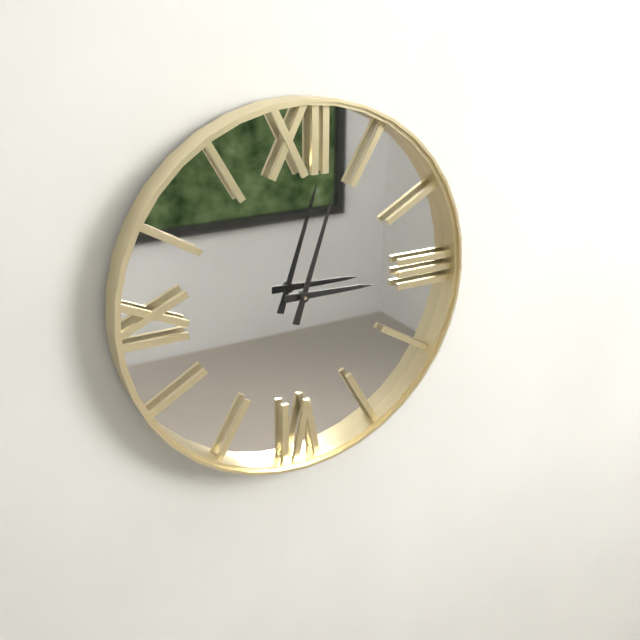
3:03
